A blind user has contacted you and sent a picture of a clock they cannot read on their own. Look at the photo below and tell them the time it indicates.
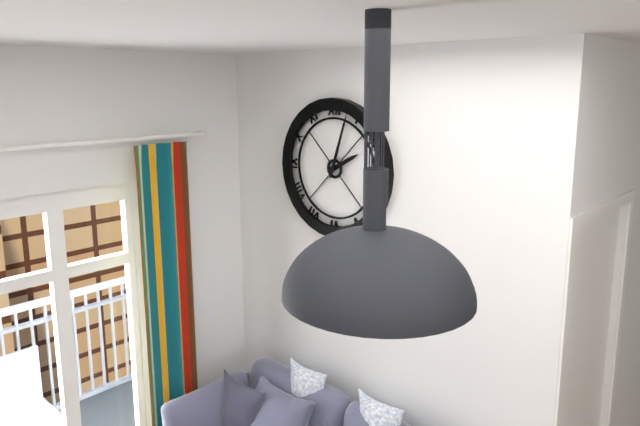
2:03
